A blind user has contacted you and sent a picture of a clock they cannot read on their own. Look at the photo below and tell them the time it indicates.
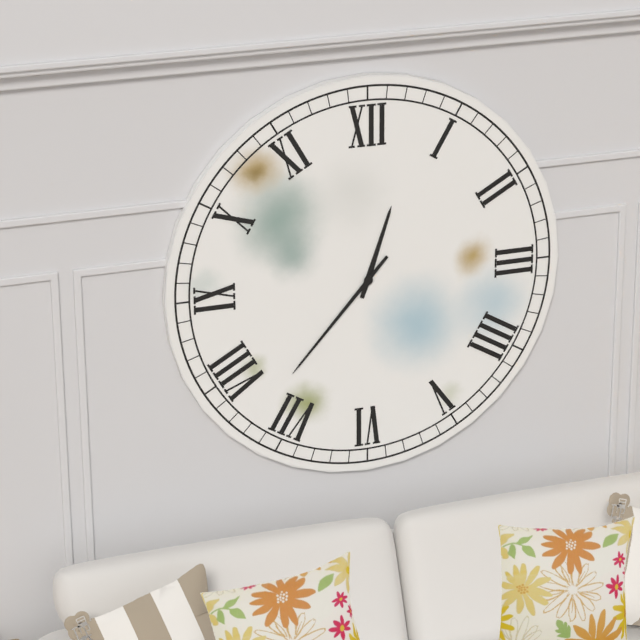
12:37
